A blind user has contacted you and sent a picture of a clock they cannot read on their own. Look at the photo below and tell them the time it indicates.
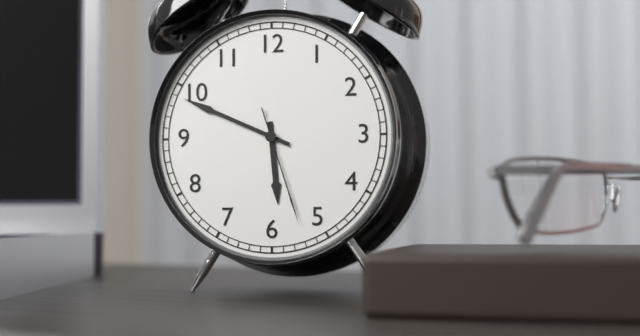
5:49:27
